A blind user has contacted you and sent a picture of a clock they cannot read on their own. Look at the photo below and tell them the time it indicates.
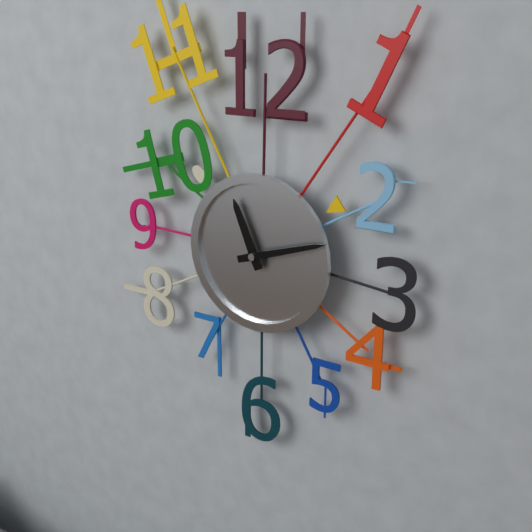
11:12
